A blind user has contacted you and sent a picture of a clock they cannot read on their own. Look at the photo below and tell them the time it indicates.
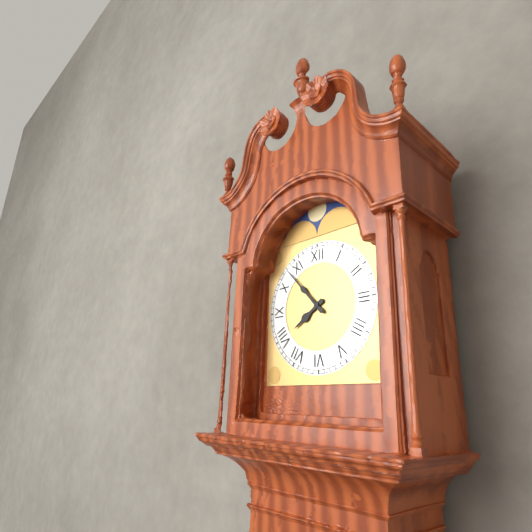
7:53
